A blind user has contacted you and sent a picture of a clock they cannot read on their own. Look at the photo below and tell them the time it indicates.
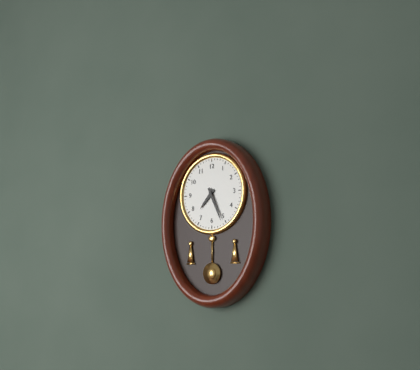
7:26
